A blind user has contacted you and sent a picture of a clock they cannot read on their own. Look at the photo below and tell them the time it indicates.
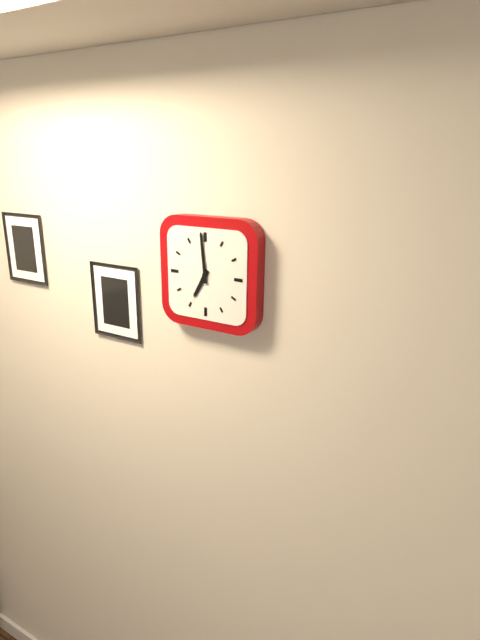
6:59
